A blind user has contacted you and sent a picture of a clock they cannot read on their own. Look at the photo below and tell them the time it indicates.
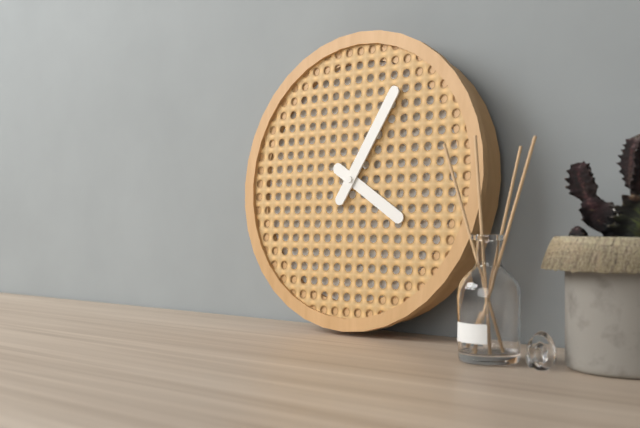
4:05
